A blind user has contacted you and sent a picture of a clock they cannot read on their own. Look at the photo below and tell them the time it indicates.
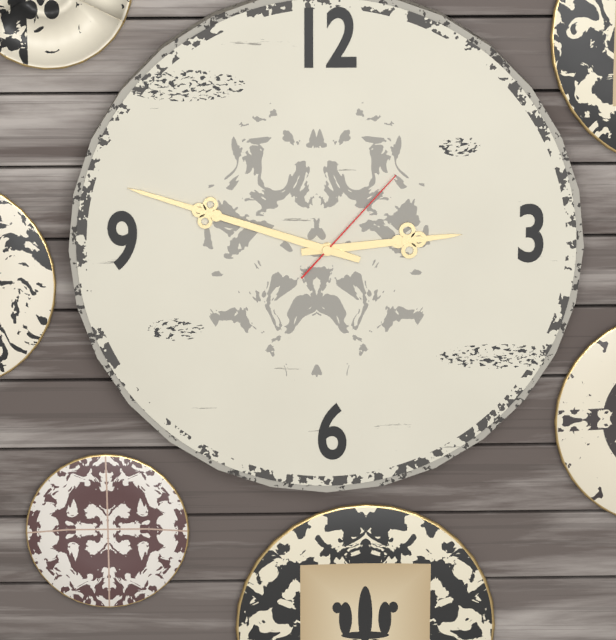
2:48:07
